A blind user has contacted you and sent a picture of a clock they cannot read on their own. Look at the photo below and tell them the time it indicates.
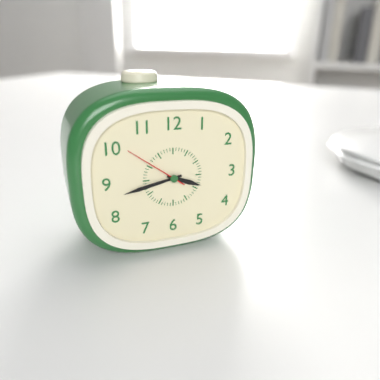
3:43:51
